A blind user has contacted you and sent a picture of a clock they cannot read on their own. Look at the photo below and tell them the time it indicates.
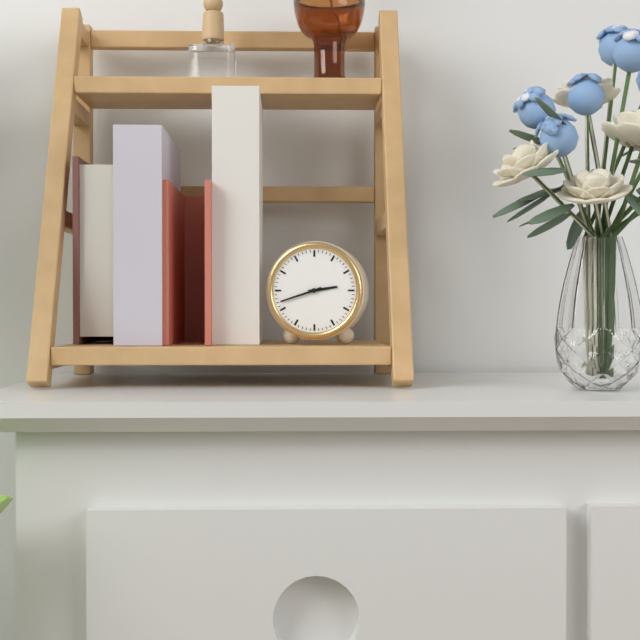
2:42
